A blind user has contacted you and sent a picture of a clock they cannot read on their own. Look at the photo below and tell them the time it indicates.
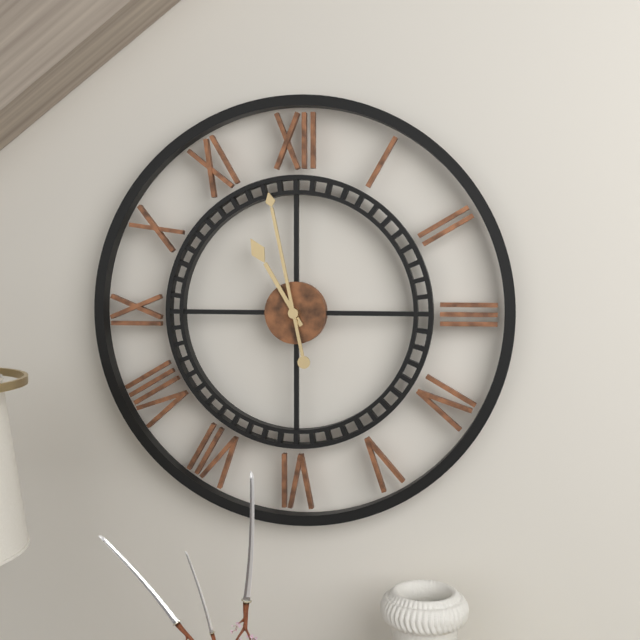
10:58
